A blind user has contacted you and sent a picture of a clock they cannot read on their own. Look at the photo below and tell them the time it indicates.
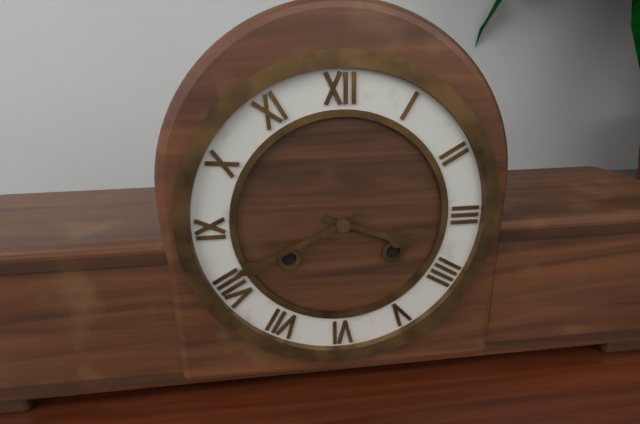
3:41
